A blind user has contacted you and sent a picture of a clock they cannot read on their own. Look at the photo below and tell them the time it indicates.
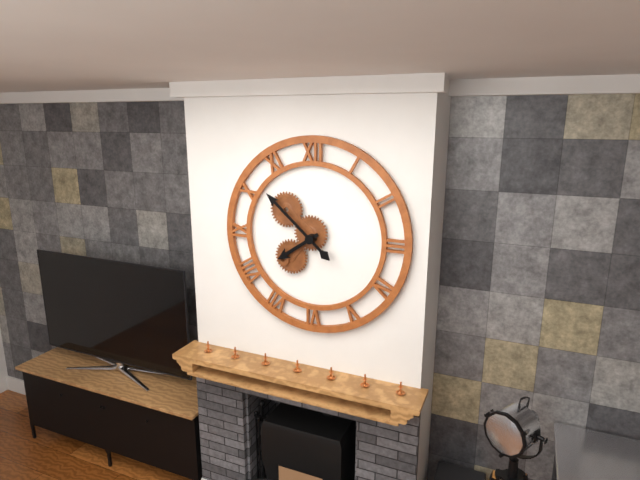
7:52
